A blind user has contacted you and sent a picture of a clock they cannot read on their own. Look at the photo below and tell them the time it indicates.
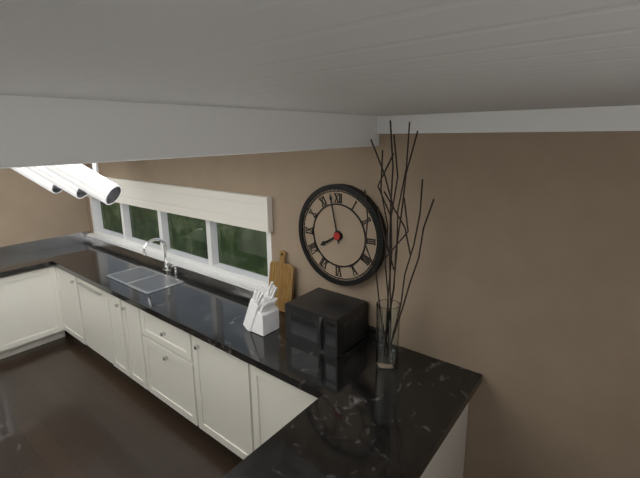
7:58
